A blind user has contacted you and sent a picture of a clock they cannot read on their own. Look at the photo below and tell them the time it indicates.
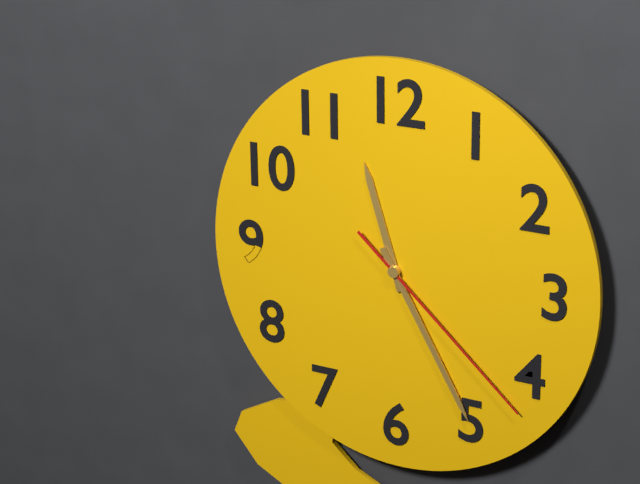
11:25:22
